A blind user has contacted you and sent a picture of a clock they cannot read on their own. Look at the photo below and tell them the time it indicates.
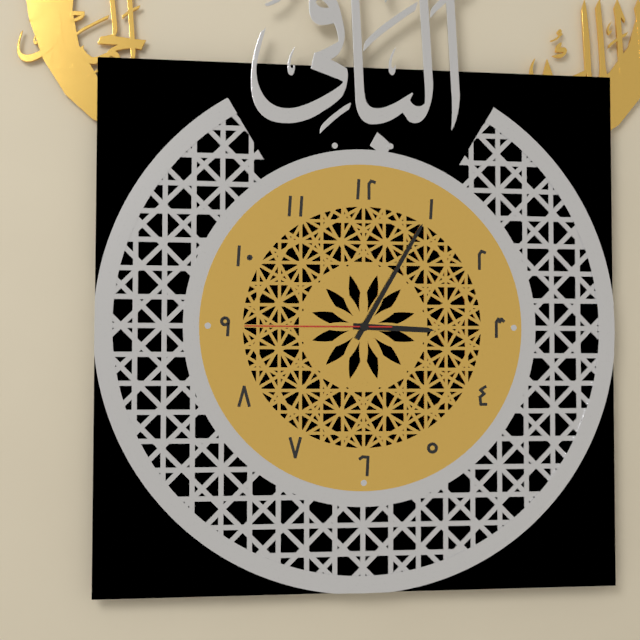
3:05:45
